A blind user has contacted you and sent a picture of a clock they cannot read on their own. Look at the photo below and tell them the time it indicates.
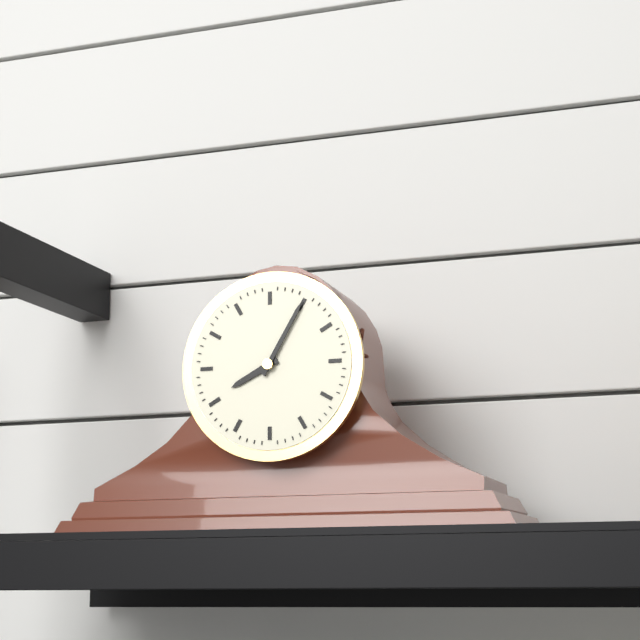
8:05
